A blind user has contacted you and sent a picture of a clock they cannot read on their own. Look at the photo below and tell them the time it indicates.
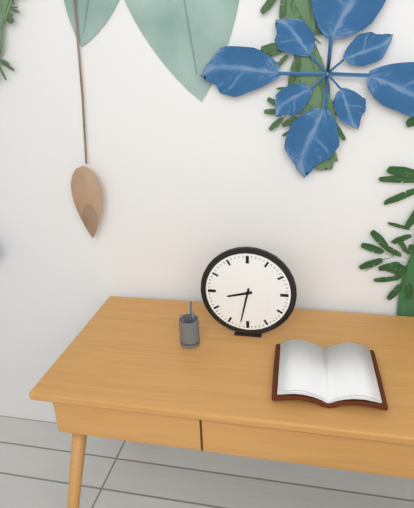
8:32
